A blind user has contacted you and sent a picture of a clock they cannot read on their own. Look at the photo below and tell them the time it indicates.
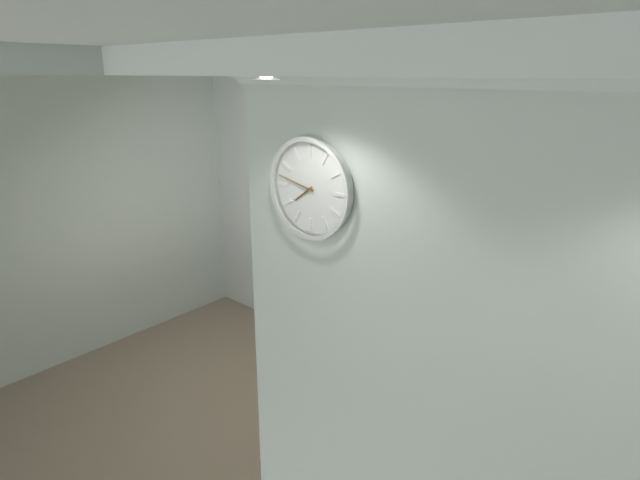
7:47
